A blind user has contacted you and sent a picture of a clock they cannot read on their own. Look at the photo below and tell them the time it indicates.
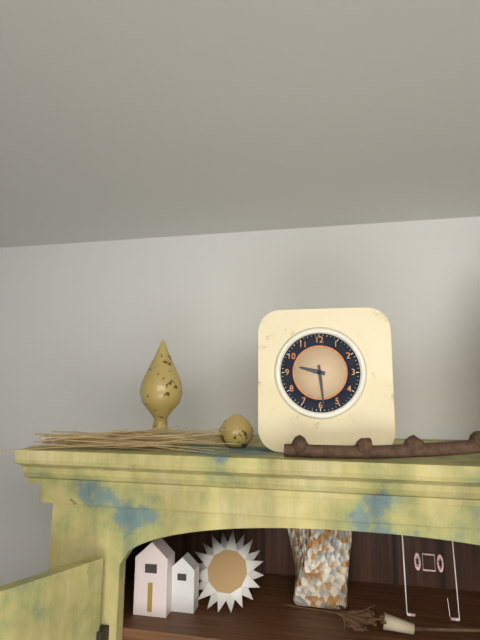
9:29
